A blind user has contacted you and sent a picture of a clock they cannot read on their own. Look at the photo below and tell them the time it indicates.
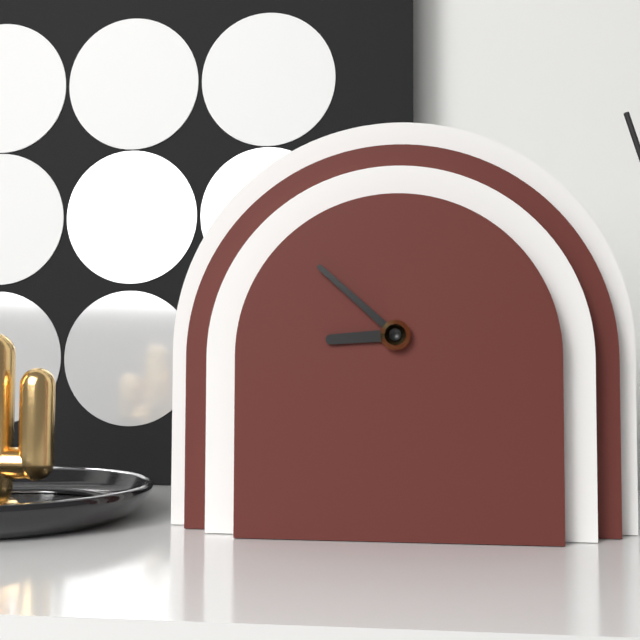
8:52
